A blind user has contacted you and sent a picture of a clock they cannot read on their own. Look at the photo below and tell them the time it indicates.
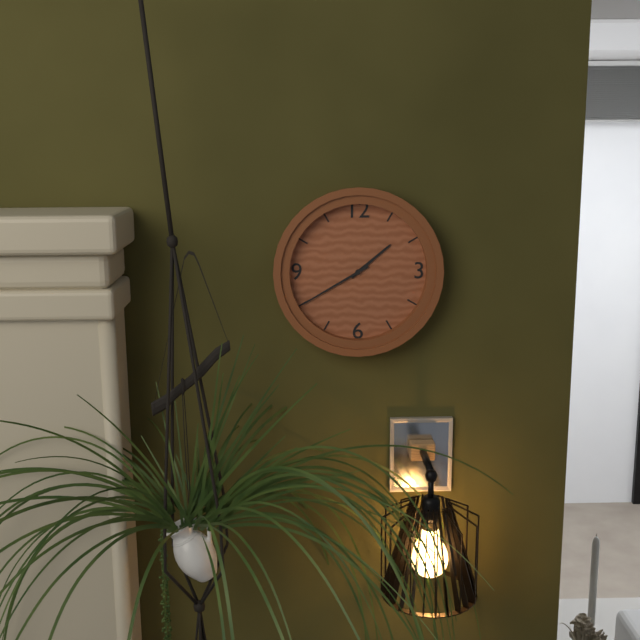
1:40
